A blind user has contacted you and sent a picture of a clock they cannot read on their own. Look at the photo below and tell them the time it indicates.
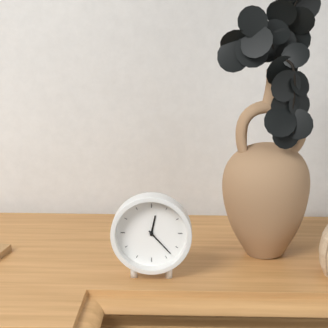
12:23
